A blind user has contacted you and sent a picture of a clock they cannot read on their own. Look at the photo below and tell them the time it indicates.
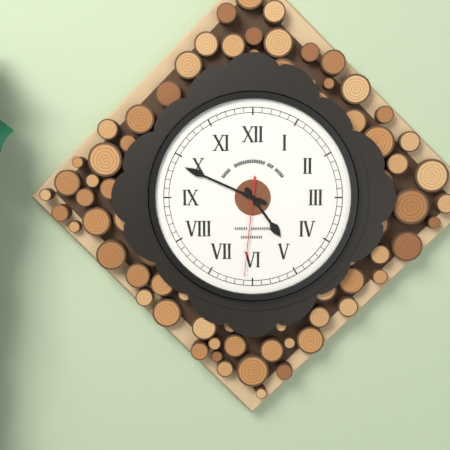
4:49:31
